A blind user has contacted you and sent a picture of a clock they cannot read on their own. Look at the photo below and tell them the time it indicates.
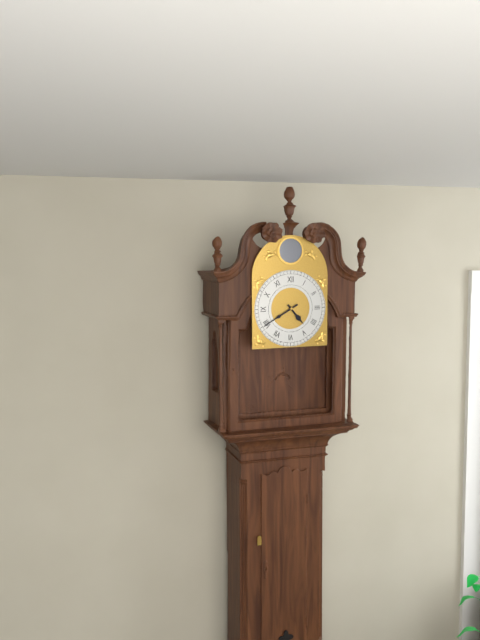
4:40
